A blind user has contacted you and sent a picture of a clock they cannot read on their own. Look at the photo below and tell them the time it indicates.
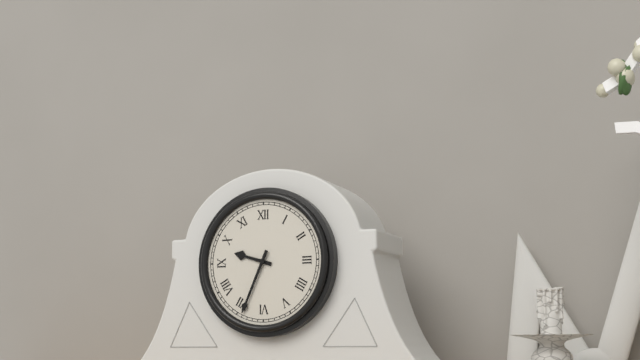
9:34
